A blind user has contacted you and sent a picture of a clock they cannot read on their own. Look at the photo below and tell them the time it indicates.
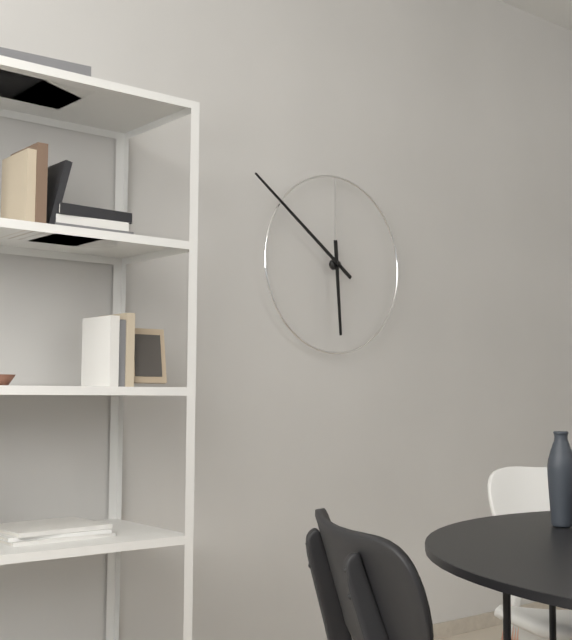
5:51
